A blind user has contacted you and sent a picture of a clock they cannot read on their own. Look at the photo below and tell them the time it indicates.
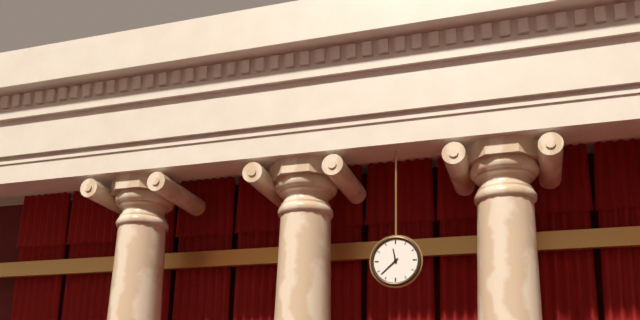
11:38
